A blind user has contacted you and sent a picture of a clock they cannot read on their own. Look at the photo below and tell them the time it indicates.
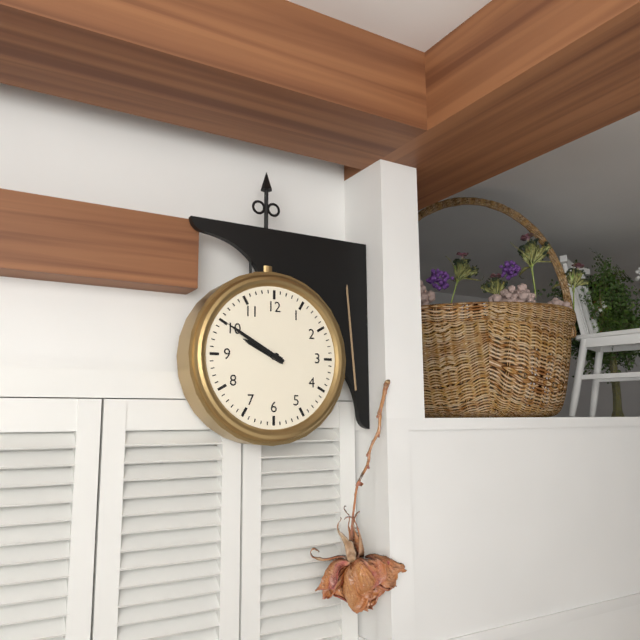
9:50
